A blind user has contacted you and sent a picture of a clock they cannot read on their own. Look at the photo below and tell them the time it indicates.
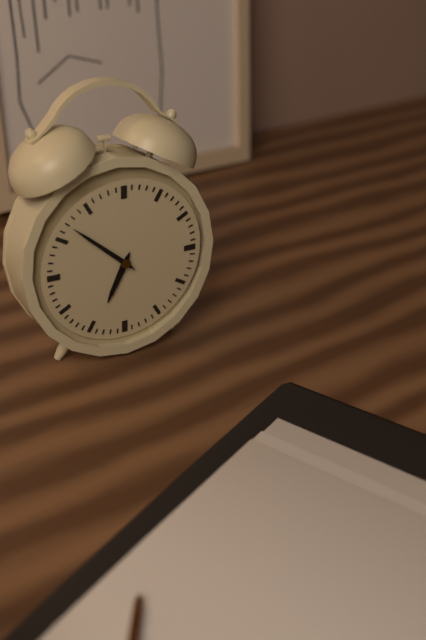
6:52
